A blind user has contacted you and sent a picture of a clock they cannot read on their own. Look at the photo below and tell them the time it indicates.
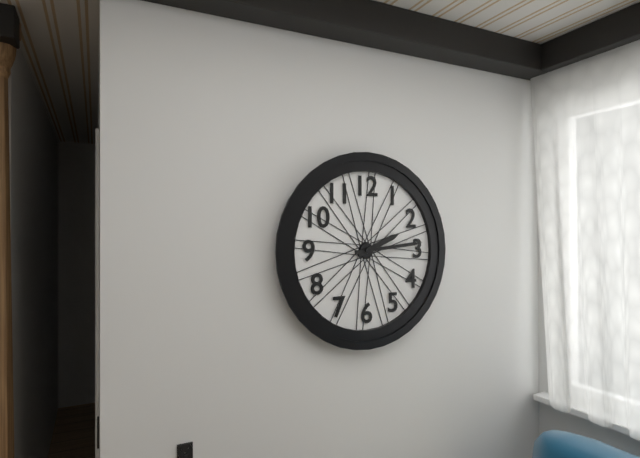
2:14
